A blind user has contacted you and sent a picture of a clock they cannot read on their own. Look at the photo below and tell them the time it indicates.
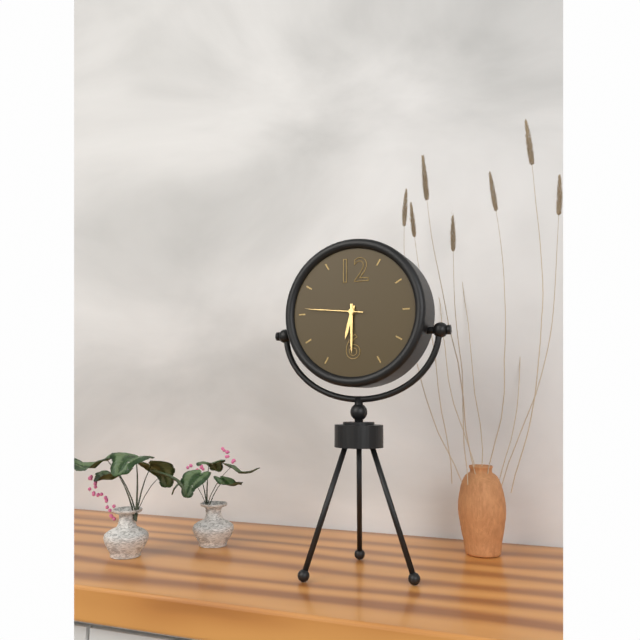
6:30:46
